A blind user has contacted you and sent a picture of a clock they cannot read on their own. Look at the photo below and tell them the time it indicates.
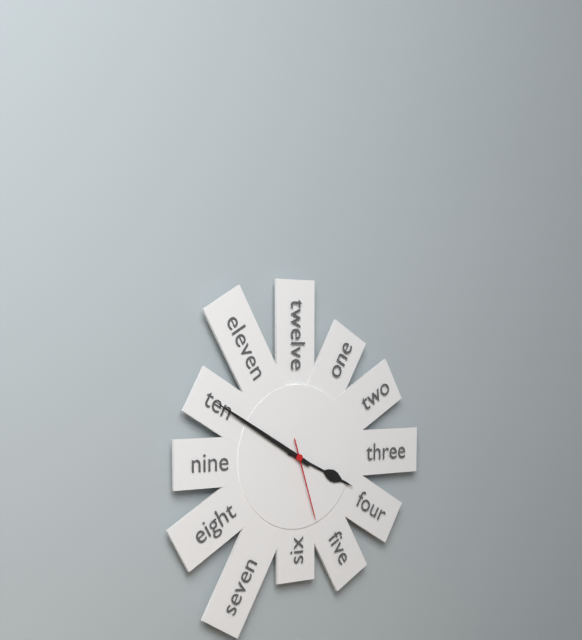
3:50:27
